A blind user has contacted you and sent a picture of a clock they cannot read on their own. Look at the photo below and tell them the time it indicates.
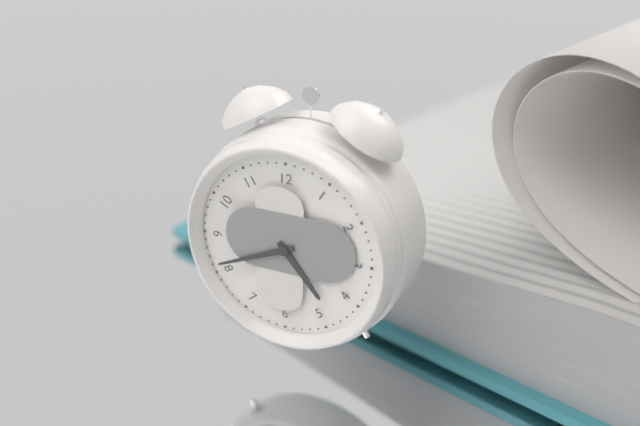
4:41
